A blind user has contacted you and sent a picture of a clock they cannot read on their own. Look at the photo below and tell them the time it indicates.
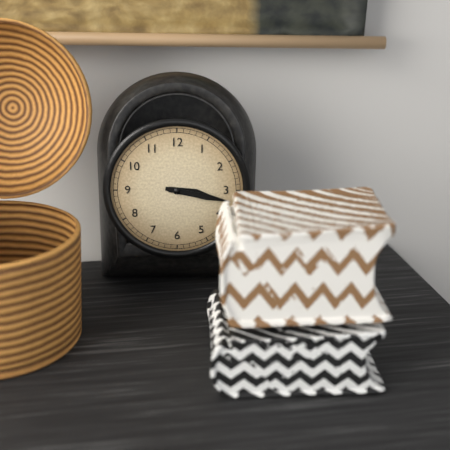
3:17
